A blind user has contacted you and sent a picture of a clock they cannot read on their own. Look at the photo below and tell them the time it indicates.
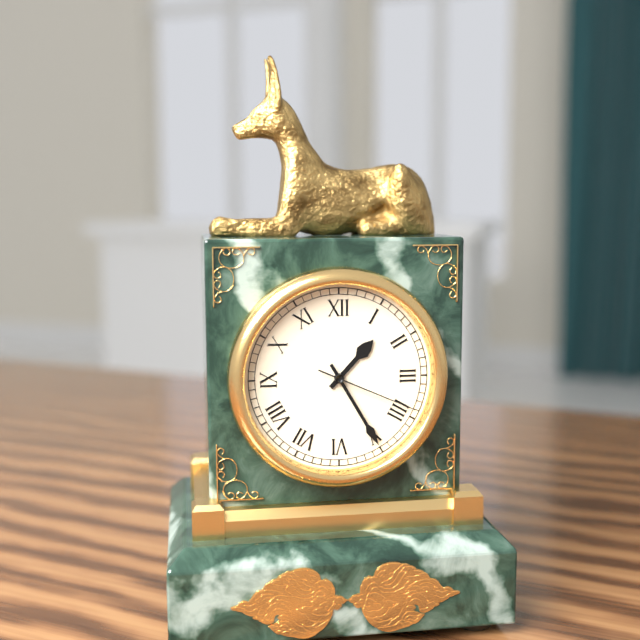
1:25:19
